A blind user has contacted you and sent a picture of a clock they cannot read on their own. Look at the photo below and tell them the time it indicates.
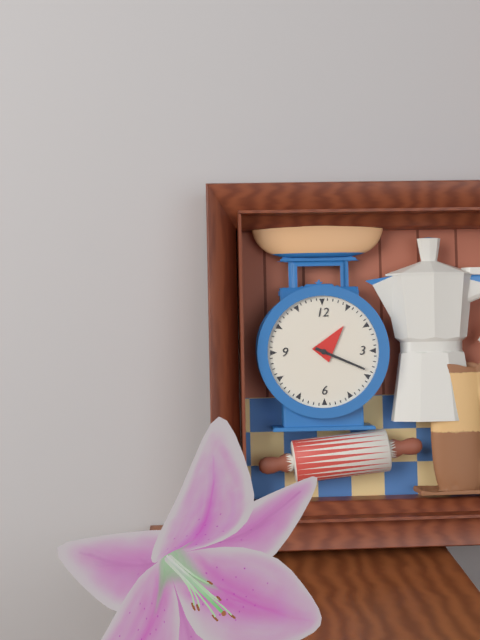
1:19
